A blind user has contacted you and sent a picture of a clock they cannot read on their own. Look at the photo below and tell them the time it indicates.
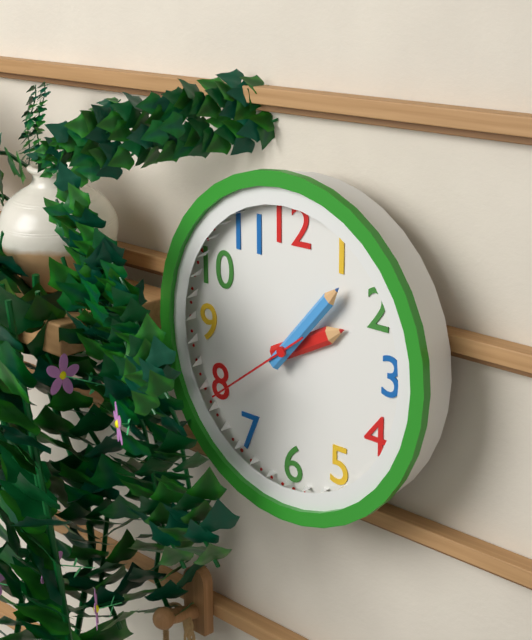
2:07:39
